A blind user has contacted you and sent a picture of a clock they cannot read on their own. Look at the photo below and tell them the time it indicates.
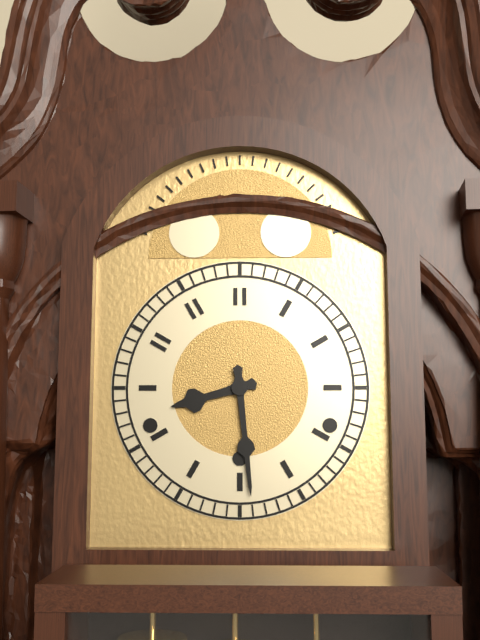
8:29
